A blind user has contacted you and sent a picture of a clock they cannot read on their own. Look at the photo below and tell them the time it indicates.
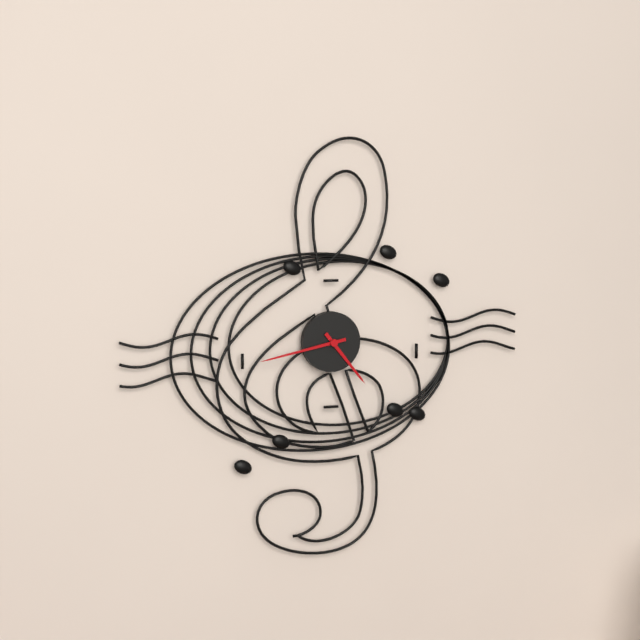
4:43
